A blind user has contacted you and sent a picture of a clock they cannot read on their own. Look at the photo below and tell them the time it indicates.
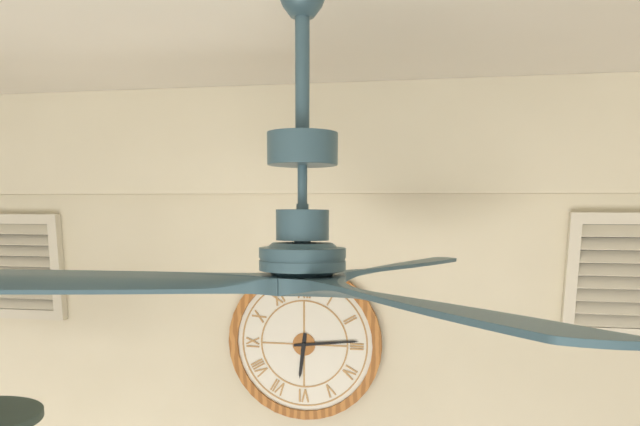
6:14
